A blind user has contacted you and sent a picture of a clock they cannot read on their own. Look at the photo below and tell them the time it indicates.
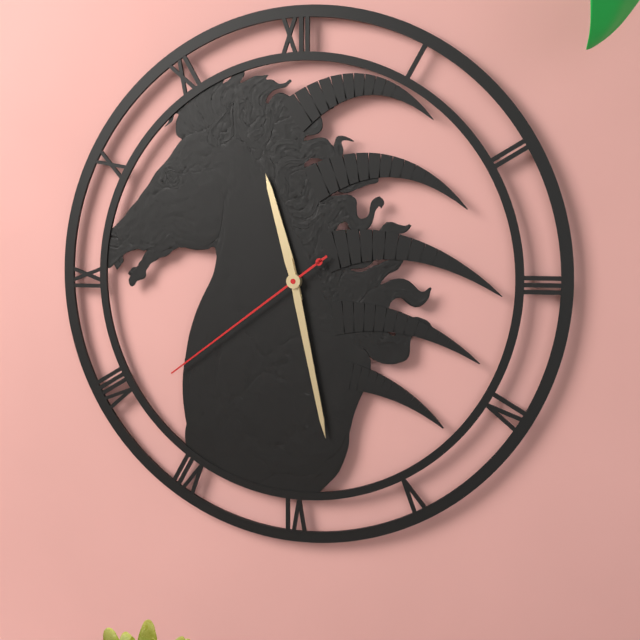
11:28:39
